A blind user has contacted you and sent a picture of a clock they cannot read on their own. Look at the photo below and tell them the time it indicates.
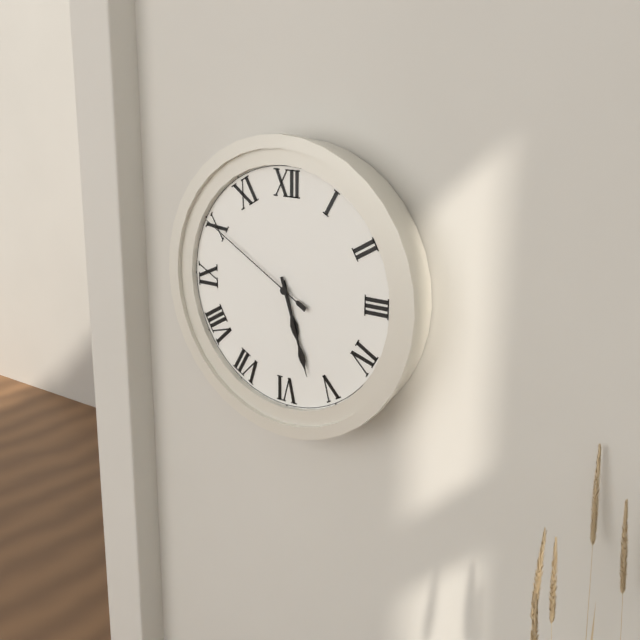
5:27:50
